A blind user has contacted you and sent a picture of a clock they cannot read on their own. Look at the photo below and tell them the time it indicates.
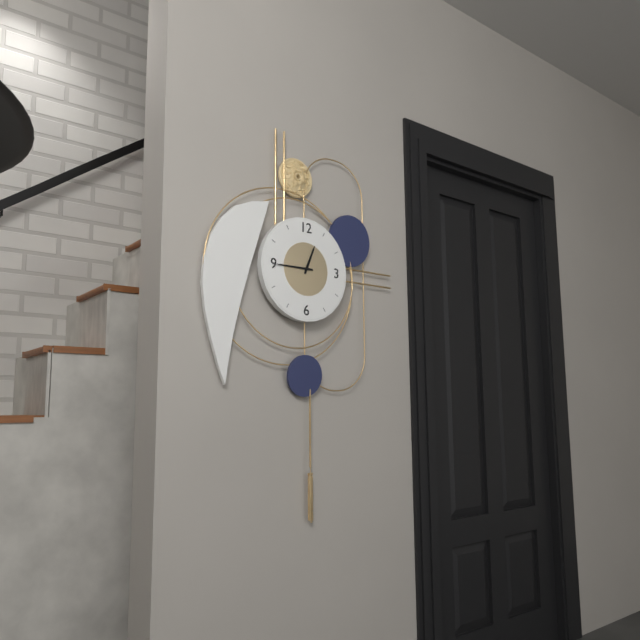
12:45
